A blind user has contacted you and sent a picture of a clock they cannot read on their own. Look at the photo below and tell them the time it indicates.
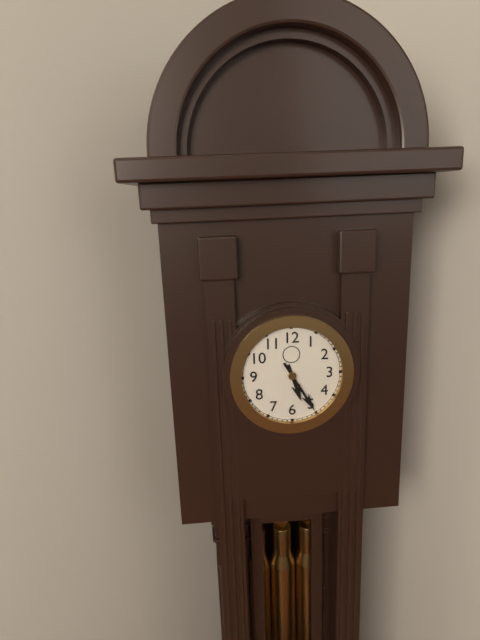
5:25
